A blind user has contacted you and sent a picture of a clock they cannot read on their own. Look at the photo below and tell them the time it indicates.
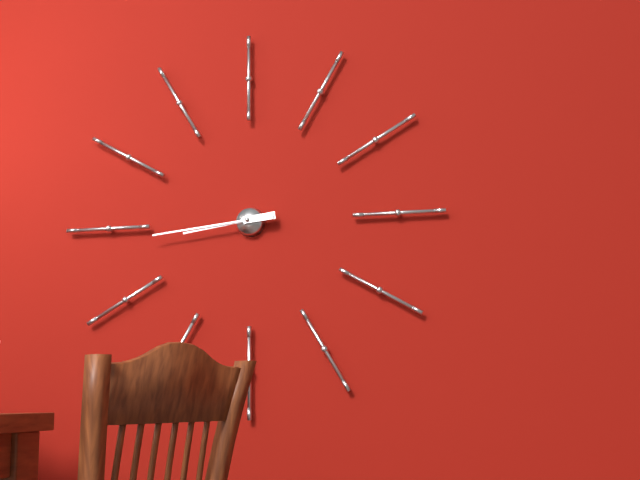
8:44
